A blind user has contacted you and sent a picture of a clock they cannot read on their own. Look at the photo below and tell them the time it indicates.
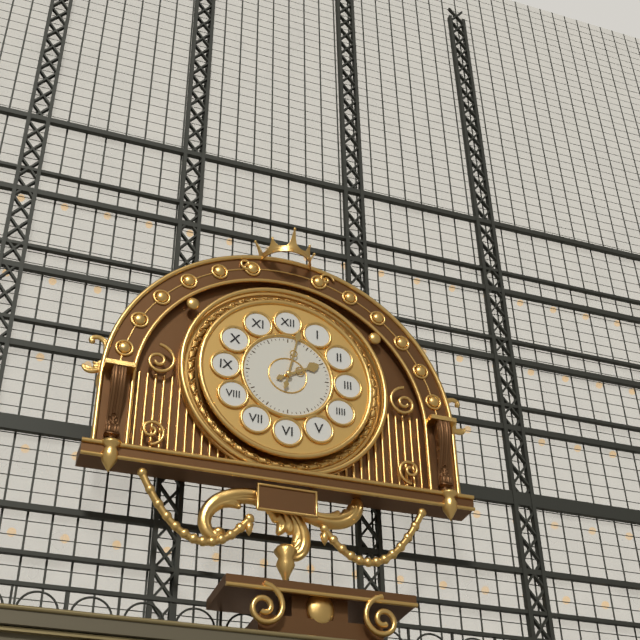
2:02
